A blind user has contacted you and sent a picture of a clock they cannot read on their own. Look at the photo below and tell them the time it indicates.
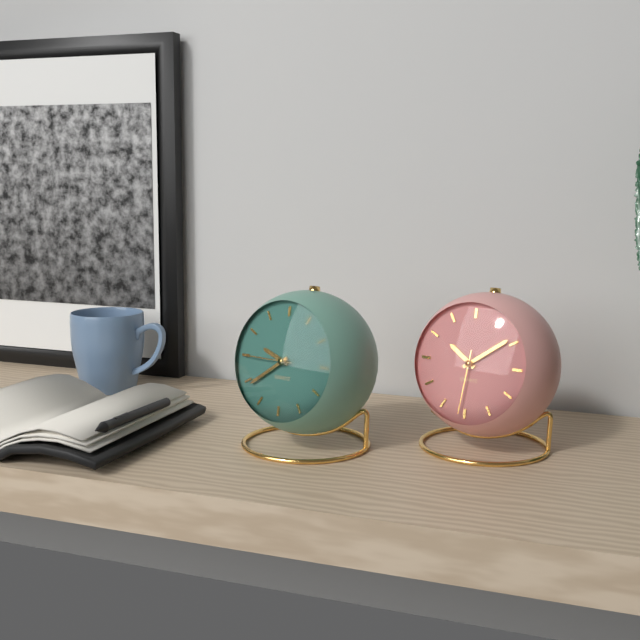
9:39
